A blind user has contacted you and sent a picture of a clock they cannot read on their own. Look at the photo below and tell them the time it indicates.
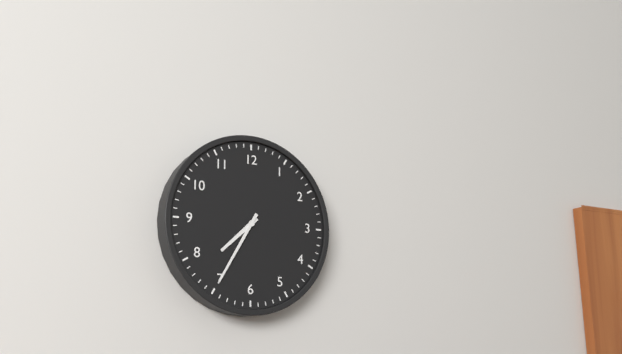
7:35
